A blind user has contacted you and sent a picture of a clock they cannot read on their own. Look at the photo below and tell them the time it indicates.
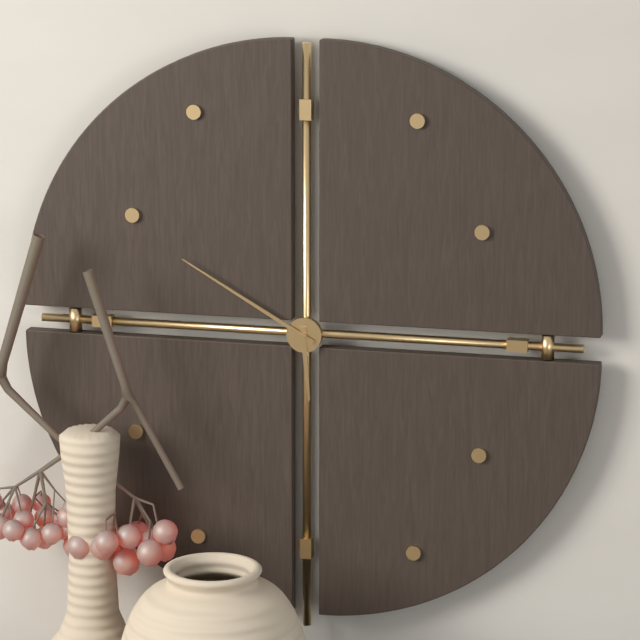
5:50
